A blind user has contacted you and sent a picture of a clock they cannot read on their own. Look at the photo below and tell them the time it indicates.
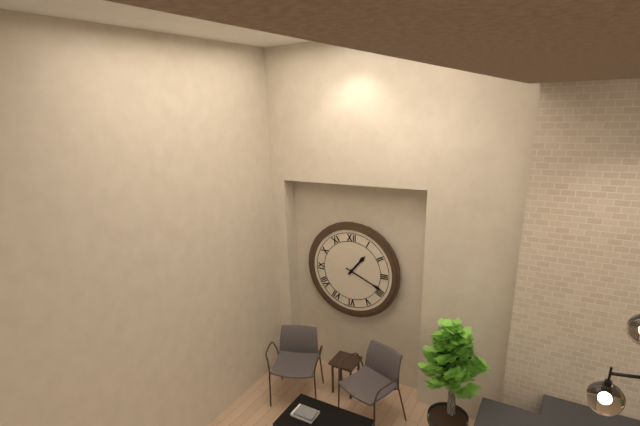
1:19
